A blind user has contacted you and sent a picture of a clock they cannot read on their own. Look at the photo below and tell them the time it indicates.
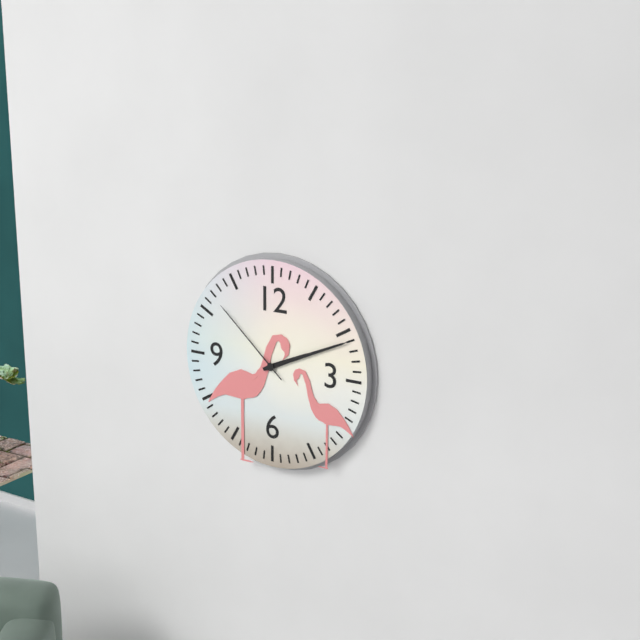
2:11:52
